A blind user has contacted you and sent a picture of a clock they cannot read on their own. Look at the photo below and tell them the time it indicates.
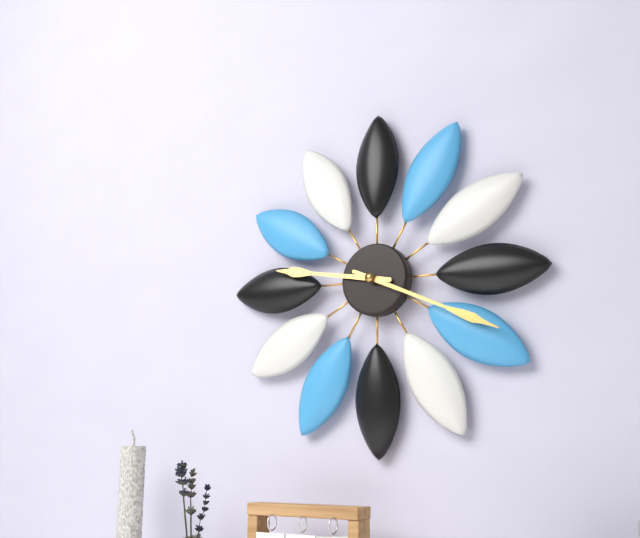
9:19
